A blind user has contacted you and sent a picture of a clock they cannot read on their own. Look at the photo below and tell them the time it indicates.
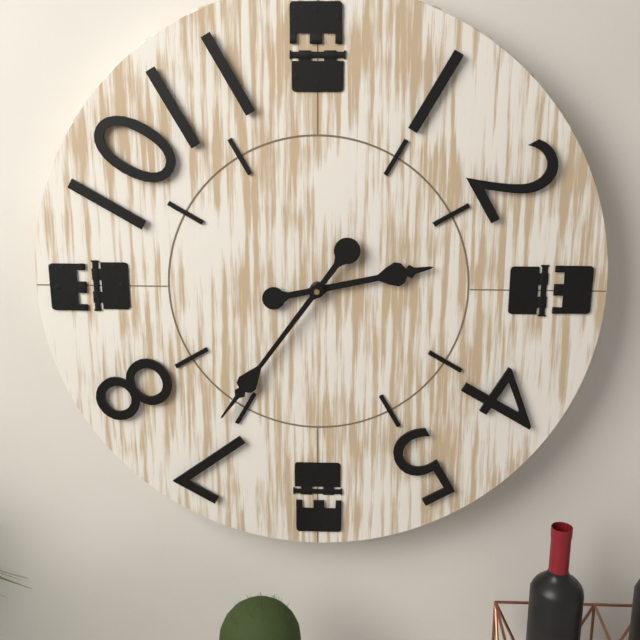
2:36
